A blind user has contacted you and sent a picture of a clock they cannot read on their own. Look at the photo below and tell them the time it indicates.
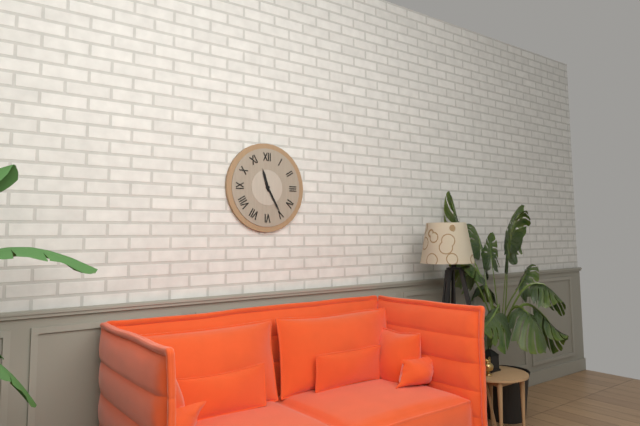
11:25
